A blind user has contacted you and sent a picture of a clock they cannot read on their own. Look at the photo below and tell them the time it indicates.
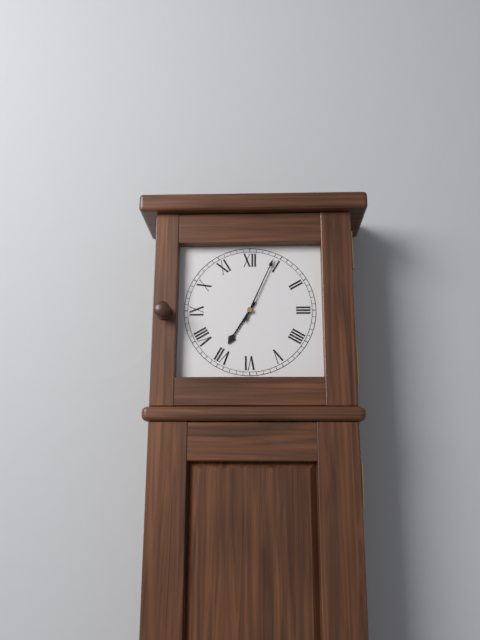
7:04
